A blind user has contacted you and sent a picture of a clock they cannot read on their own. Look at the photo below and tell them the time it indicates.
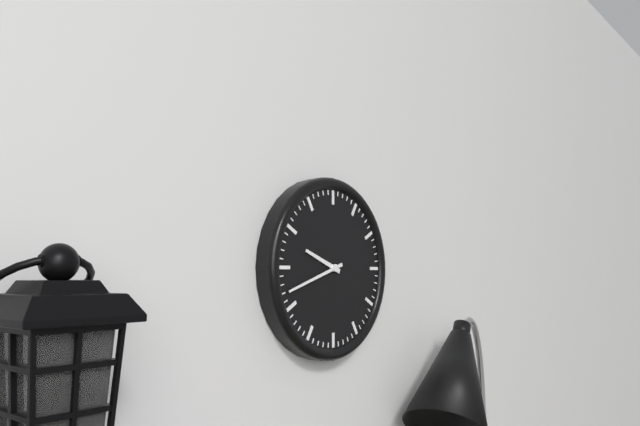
9:42
